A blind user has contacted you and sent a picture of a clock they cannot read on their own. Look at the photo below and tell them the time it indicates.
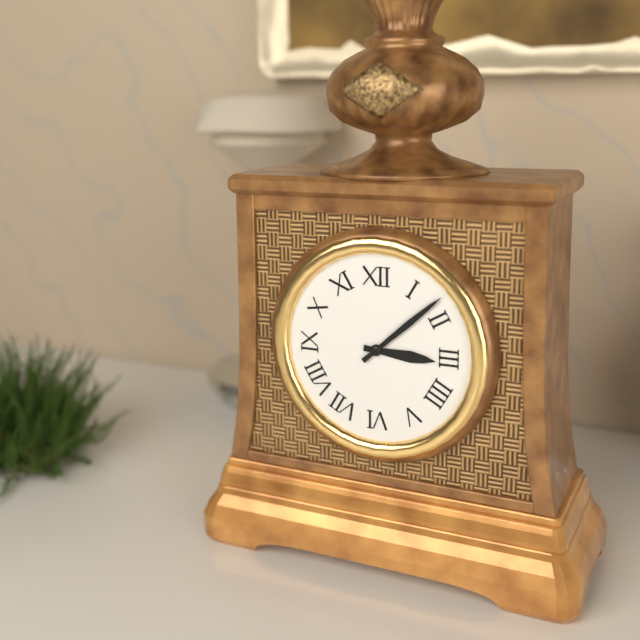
3:08
